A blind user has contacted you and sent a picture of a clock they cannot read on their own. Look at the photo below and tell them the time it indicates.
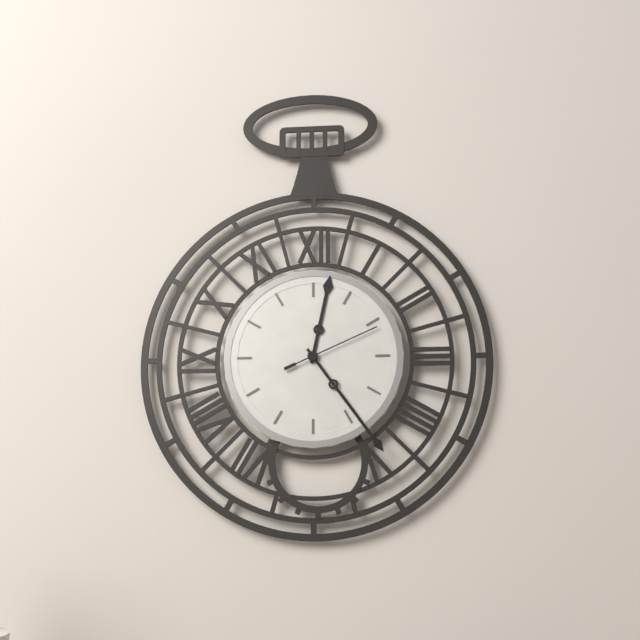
12:24:11
